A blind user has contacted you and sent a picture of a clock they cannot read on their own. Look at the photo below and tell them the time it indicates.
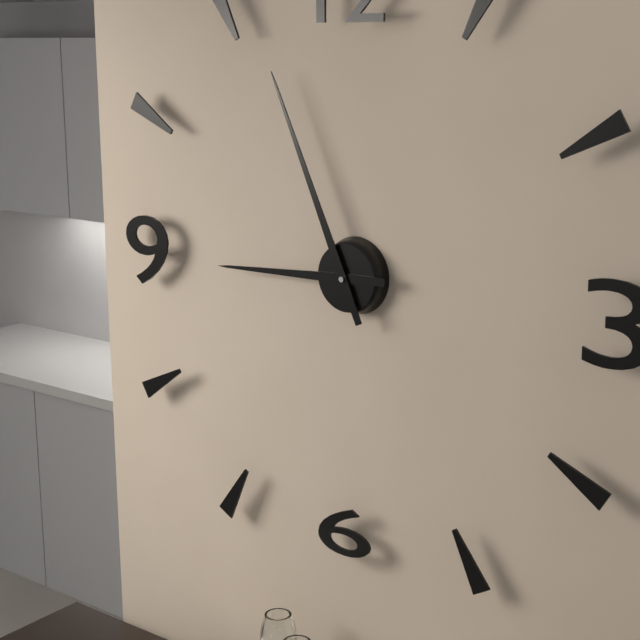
8:56
